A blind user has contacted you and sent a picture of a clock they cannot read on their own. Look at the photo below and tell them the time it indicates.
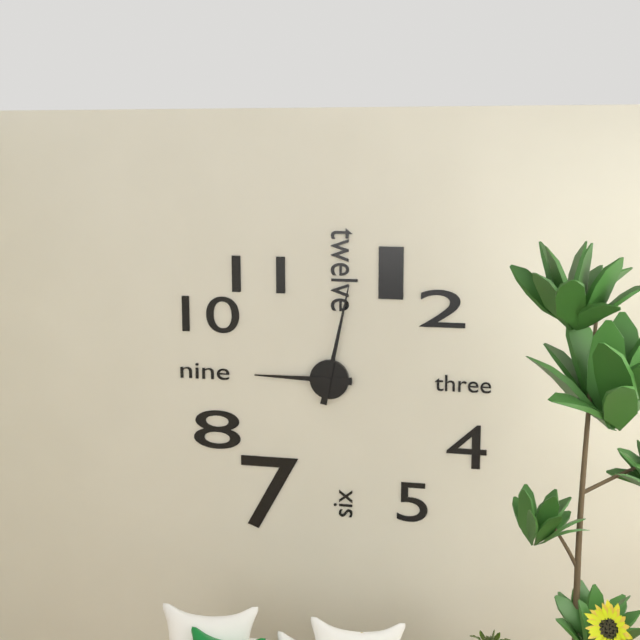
9:02
